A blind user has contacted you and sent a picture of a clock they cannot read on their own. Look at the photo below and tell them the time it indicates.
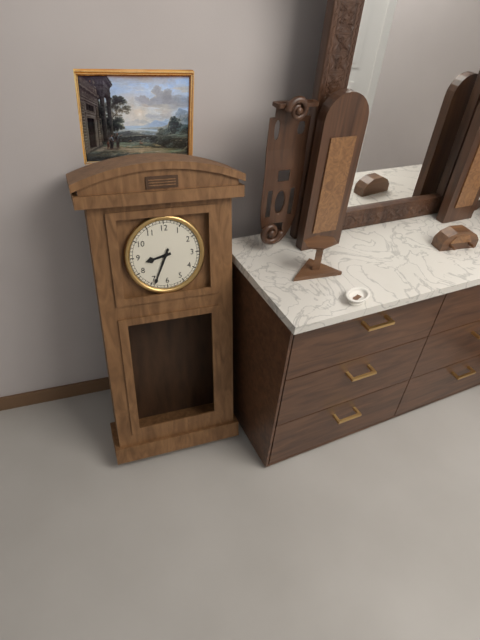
8:34
